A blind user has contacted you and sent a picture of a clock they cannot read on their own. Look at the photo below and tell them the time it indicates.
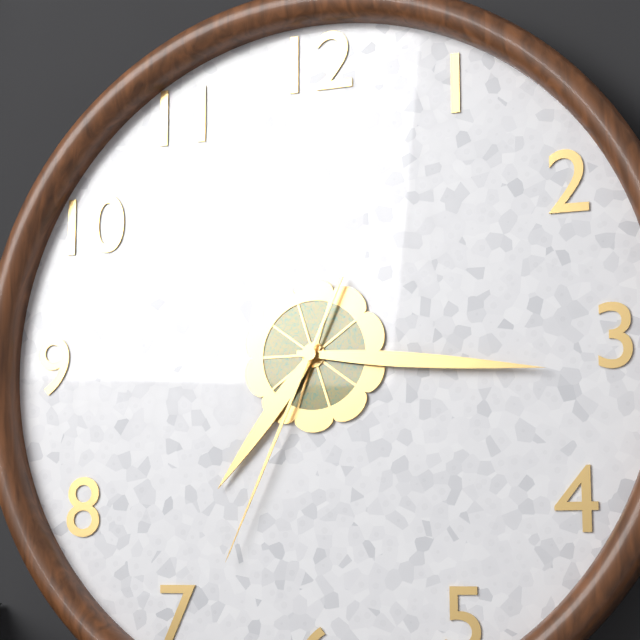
7:16:34
